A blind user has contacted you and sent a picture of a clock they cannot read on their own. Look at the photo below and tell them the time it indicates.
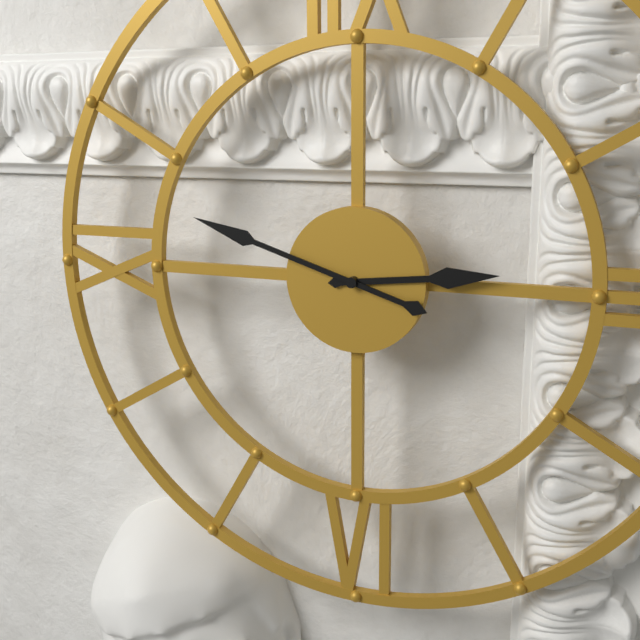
2:48
